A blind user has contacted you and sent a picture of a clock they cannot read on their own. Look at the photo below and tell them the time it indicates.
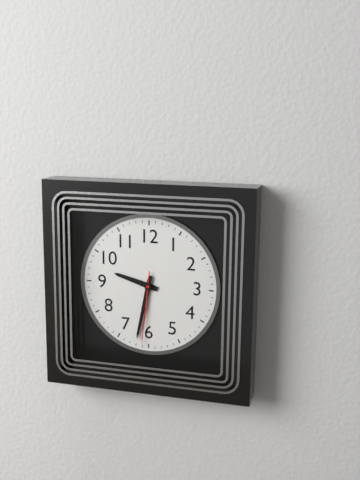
9:32:31
